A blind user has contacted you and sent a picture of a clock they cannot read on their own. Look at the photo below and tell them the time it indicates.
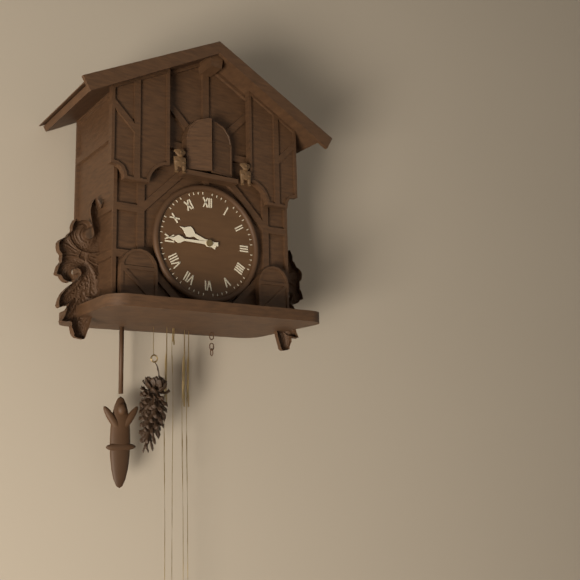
9:45
